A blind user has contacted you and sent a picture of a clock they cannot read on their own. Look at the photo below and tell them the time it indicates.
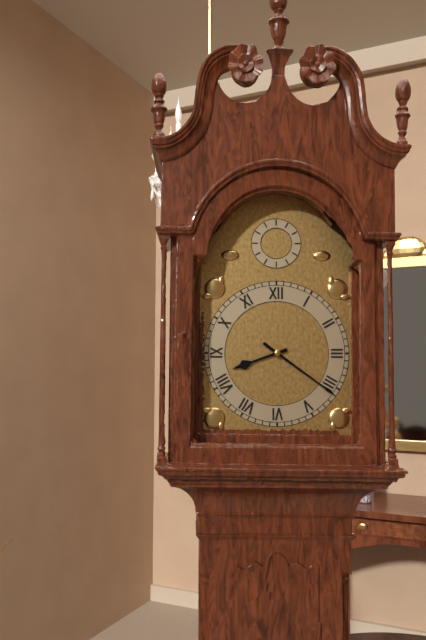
8:21
